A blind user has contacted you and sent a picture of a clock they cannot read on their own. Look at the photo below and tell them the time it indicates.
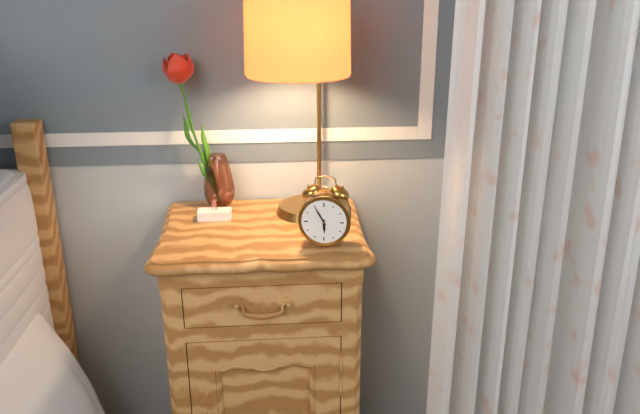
5:55
